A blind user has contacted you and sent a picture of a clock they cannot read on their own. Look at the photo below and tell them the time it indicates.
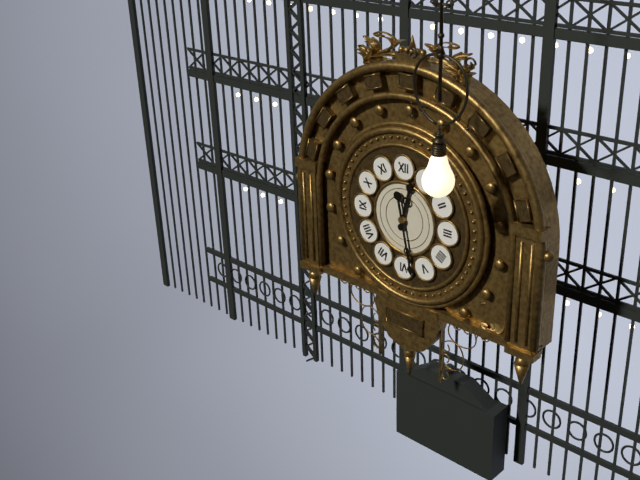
12:28
